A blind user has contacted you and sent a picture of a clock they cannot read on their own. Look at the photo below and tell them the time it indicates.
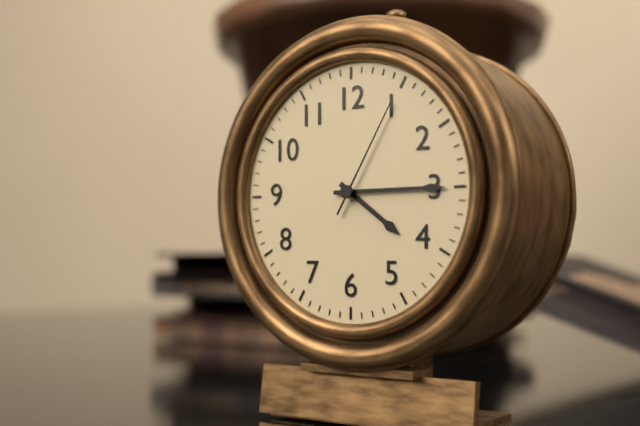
4:15:05
